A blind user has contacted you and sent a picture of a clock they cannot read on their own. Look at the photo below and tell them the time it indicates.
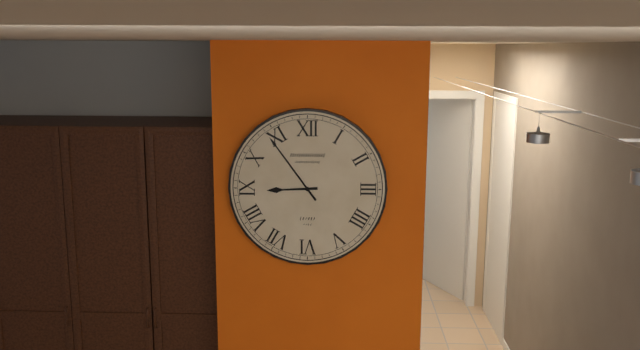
8:54
